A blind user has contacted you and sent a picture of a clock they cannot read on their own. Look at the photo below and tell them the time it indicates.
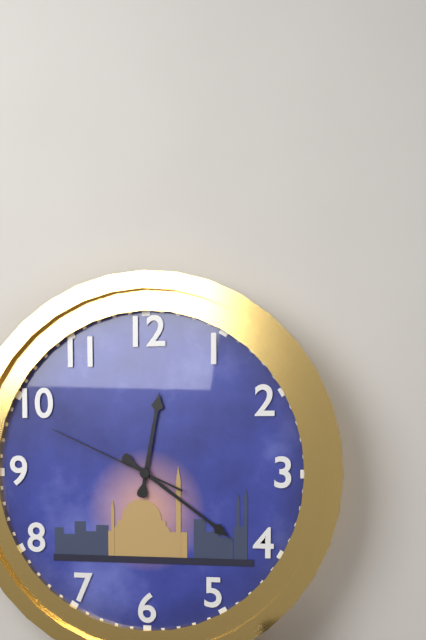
12:21:49
